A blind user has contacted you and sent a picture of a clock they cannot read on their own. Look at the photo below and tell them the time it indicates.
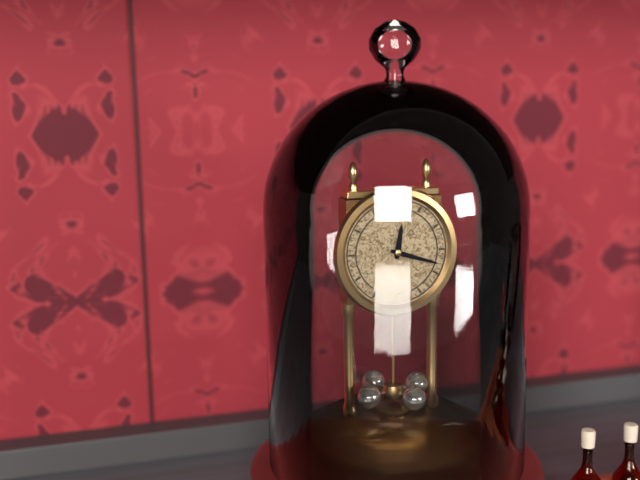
12:18
